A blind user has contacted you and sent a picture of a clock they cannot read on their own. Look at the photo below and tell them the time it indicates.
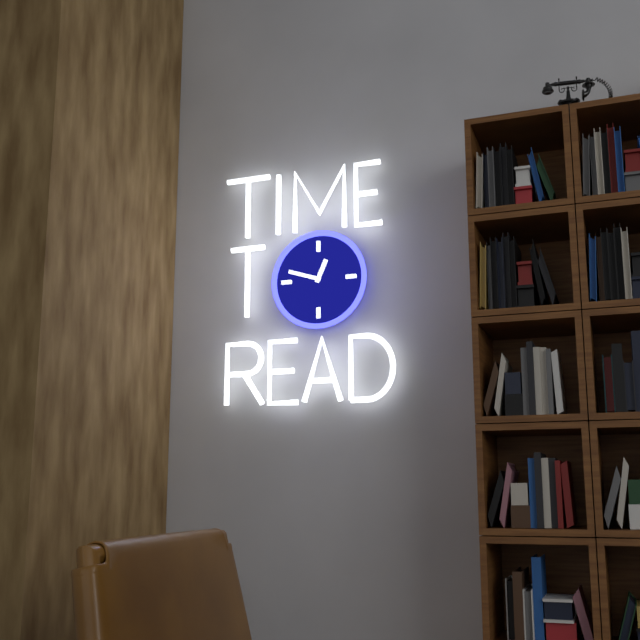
12:48
